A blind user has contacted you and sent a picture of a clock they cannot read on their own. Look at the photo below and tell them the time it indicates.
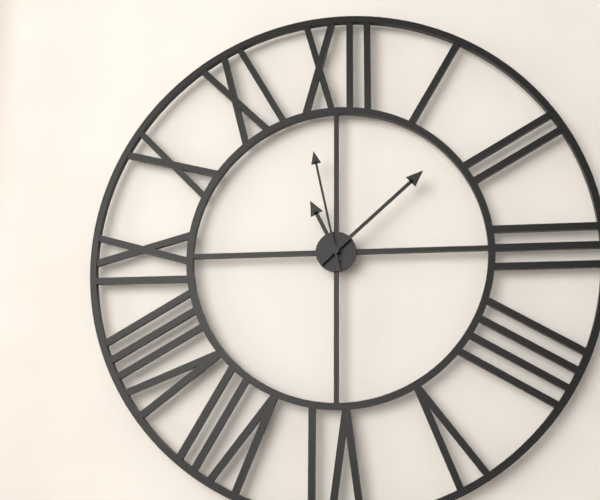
11:08:58
